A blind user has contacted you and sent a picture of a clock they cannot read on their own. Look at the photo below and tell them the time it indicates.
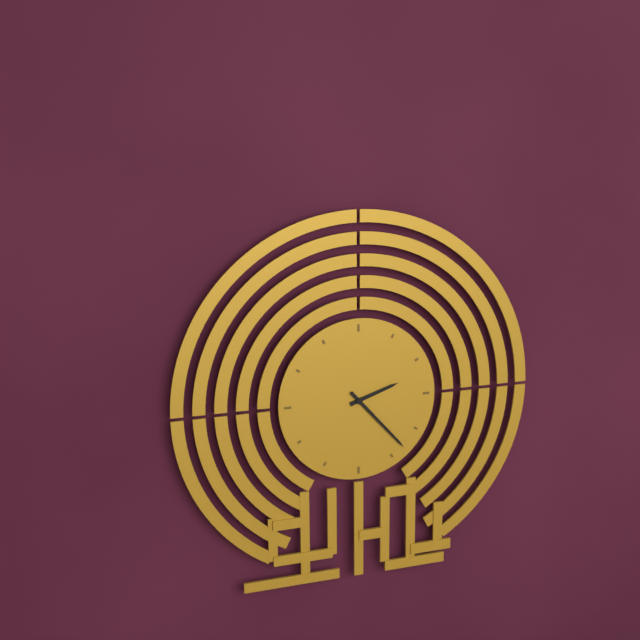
2:23
